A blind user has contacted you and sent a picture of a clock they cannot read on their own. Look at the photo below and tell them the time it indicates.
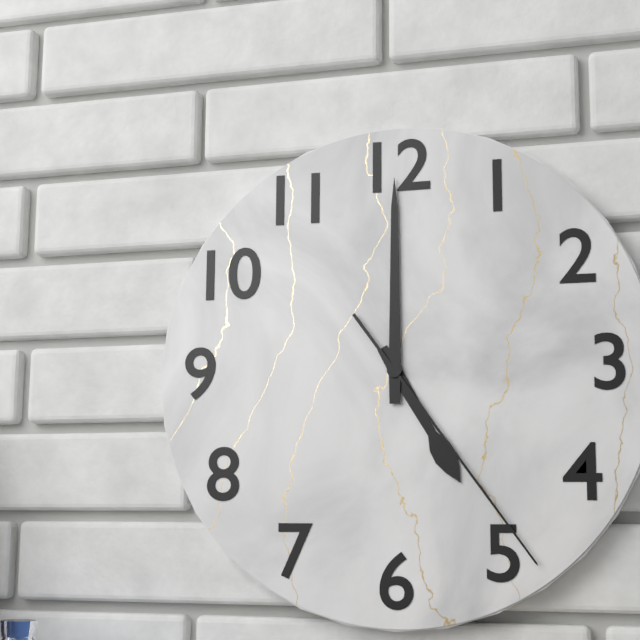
5:00:24
